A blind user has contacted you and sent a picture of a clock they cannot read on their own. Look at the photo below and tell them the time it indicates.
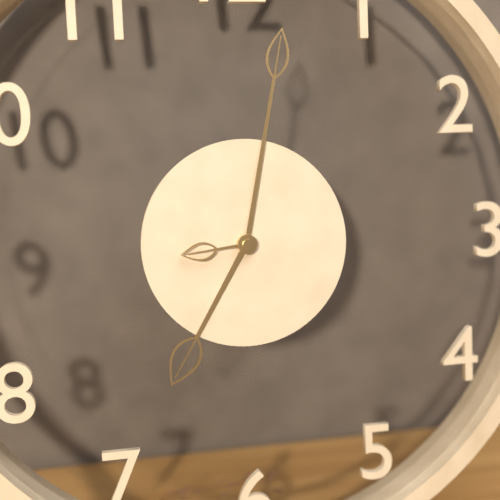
7:02:44
